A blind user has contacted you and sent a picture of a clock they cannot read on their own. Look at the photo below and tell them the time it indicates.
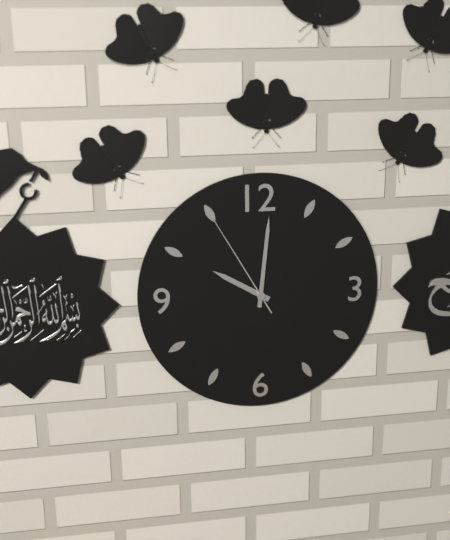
10:01:55
